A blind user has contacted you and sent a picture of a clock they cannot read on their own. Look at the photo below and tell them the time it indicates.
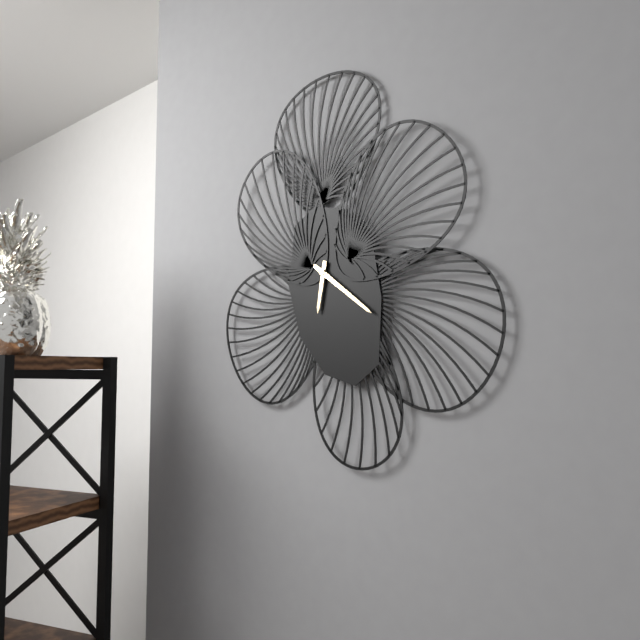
6:21
